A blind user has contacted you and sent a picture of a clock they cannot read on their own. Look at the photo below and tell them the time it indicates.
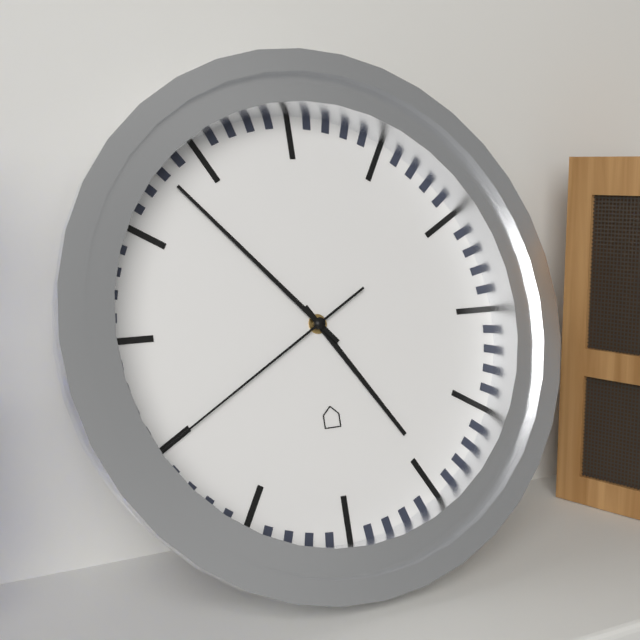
4:53:40
